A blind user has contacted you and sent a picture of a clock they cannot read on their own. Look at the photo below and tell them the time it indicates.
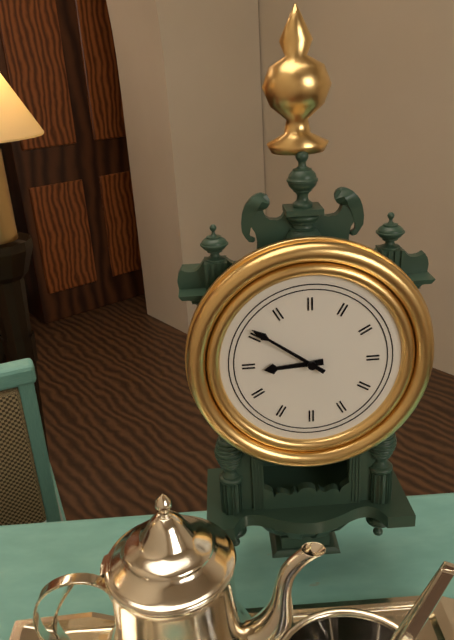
8:51
